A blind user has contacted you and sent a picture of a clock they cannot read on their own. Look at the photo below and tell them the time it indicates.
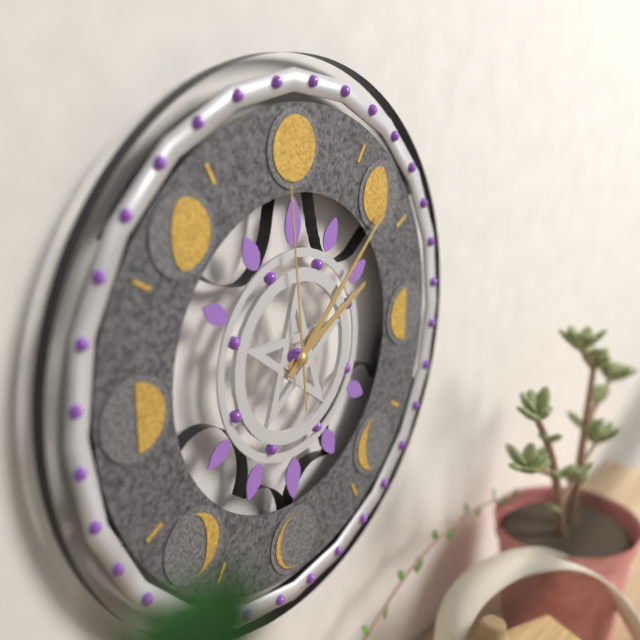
2:08:59
